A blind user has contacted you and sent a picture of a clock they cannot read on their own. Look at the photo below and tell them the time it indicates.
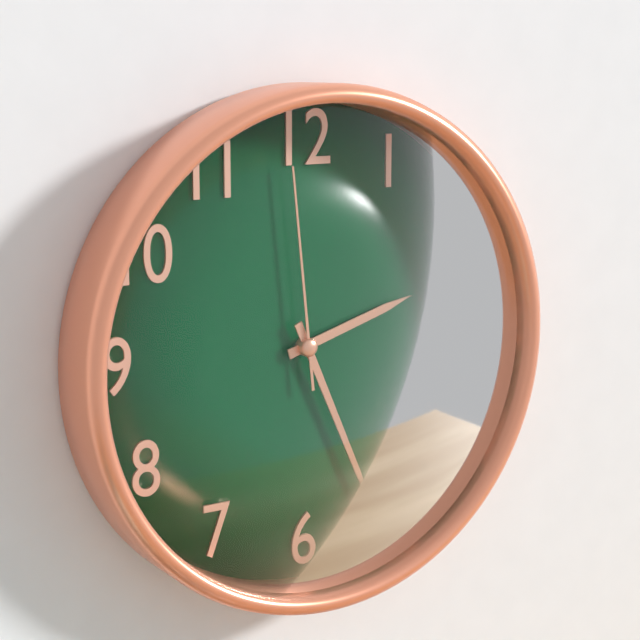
2:26:59
